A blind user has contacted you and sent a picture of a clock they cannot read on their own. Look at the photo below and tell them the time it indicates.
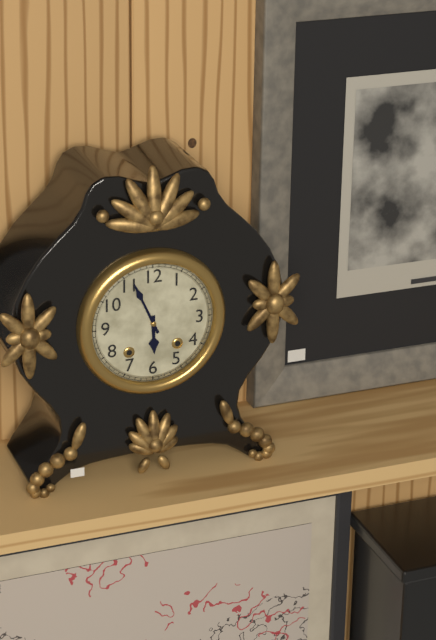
5:56
